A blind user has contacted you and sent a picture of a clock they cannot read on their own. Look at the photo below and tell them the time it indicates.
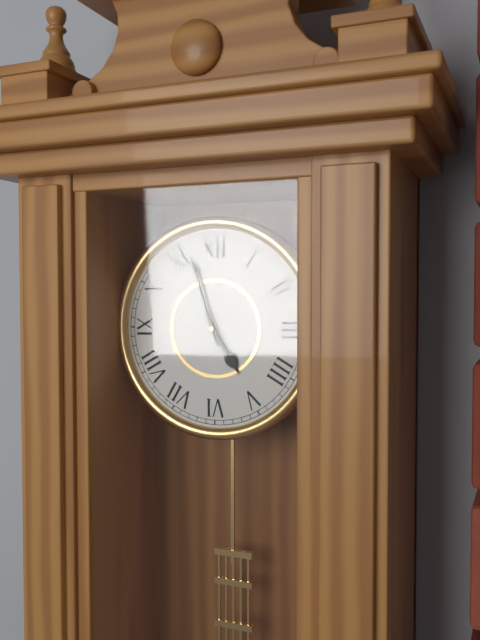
4:57
